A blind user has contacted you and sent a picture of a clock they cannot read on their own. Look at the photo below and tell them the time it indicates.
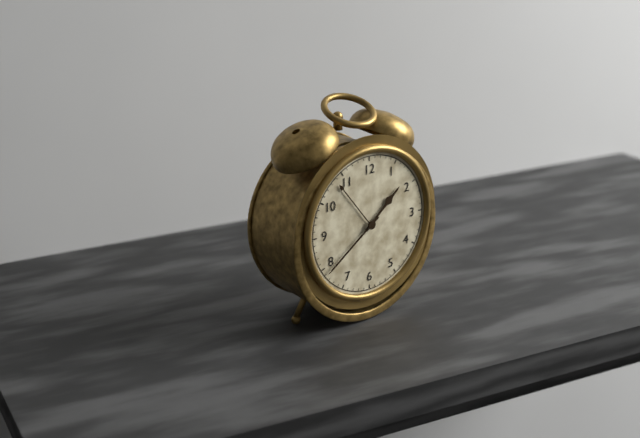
1:39
